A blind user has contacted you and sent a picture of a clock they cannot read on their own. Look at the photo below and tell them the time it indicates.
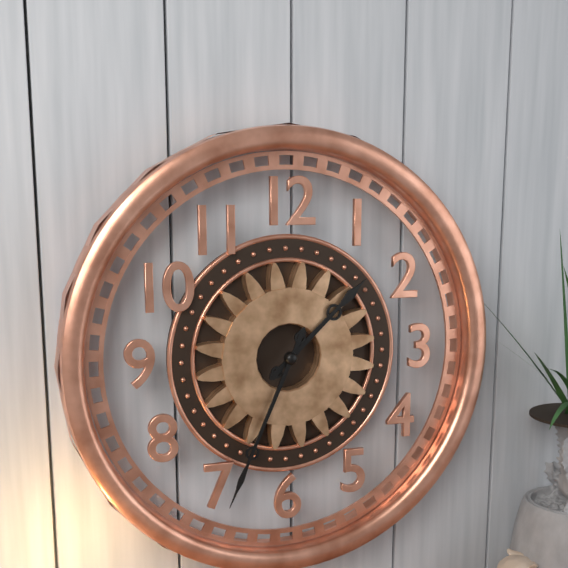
1:34
